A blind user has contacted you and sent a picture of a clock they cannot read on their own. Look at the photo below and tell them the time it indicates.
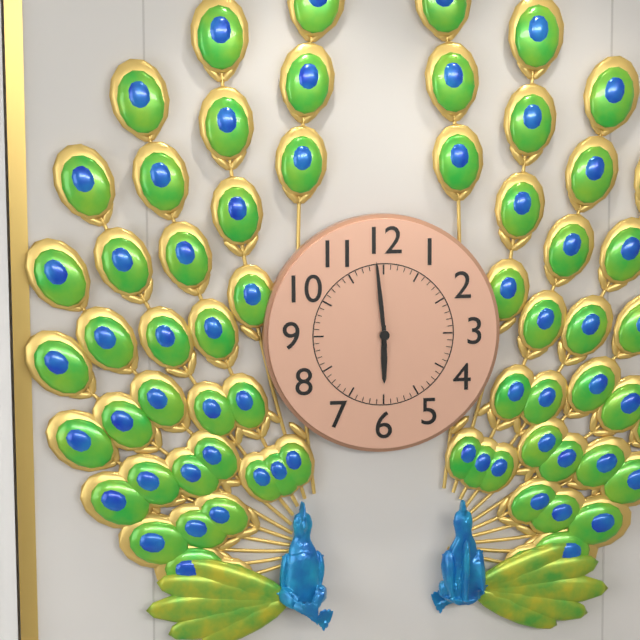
5:59
